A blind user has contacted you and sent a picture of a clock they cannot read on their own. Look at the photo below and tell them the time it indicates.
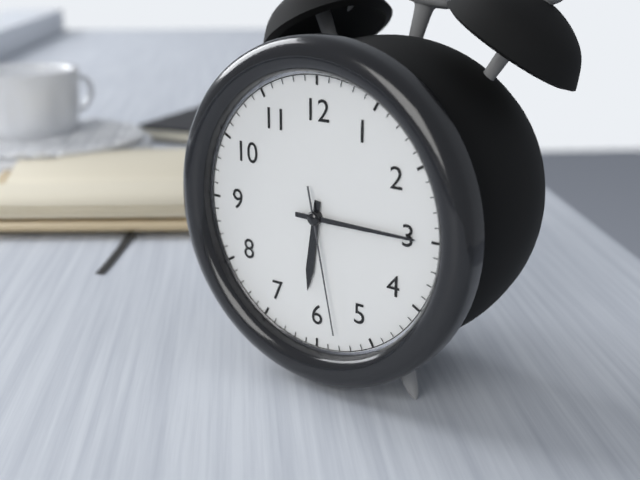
6:15:28
